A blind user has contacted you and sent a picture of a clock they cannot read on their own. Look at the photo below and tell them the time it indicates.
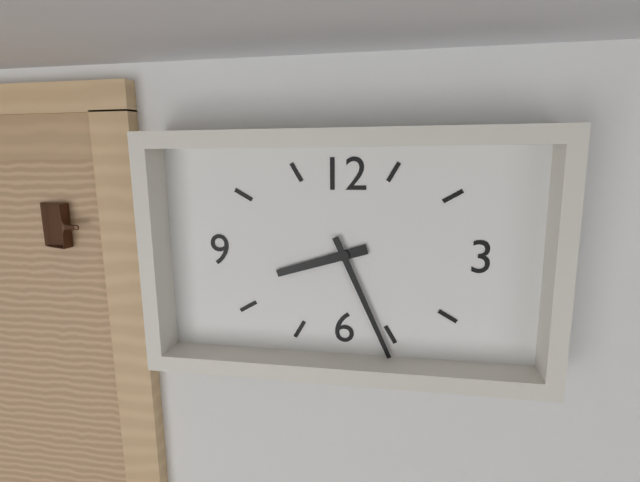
8:26
